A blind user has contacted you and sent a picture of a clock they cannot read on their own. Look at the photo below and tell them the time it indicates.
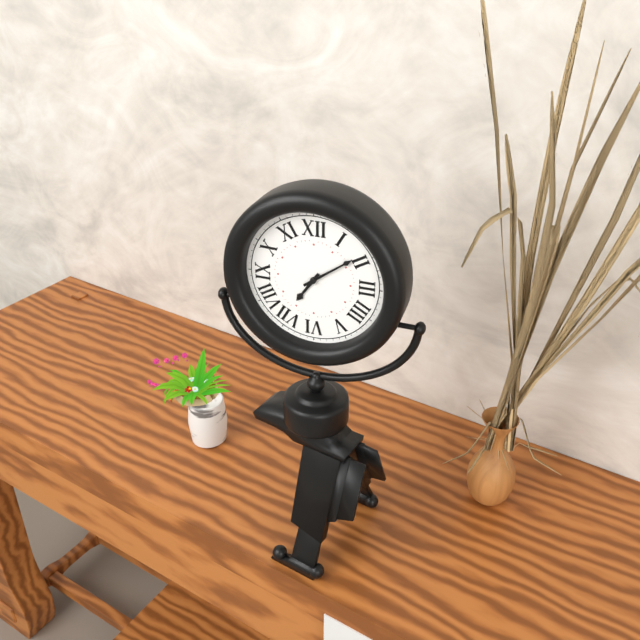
7:09
